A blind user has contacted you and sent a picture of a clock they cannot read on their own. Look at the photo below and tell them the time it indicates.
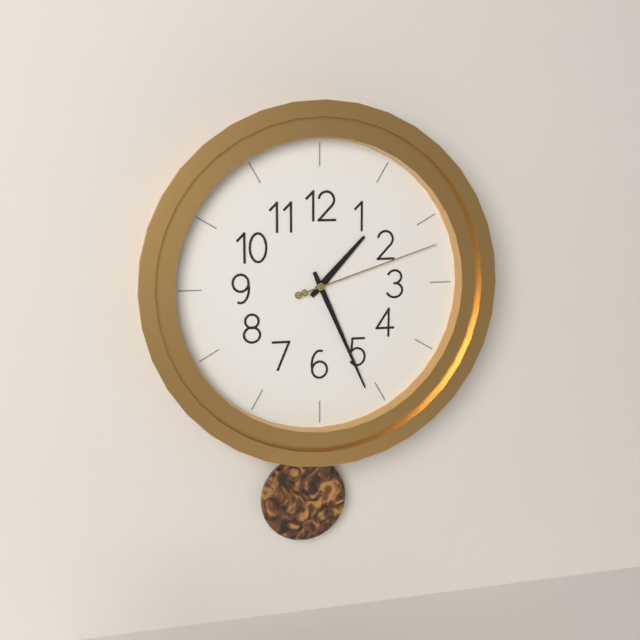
1:26:12
